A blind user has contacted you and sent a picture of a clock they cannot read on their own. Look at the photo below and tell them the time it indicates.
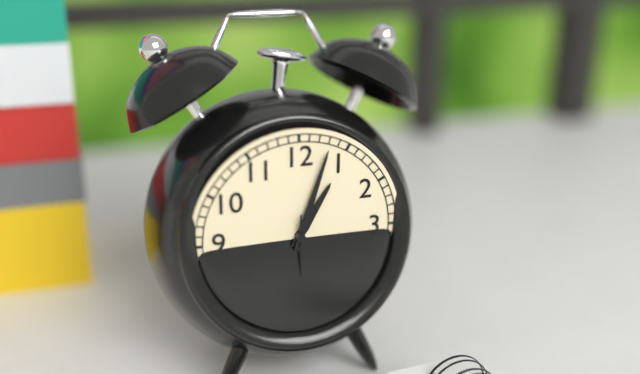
1:03
